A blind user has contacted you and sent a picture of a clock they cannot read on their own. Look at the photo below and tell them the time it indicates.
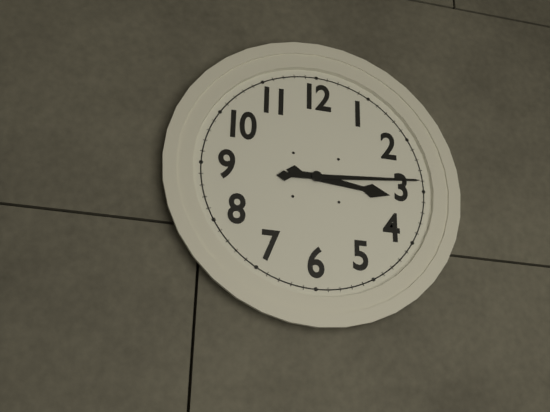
3:14
